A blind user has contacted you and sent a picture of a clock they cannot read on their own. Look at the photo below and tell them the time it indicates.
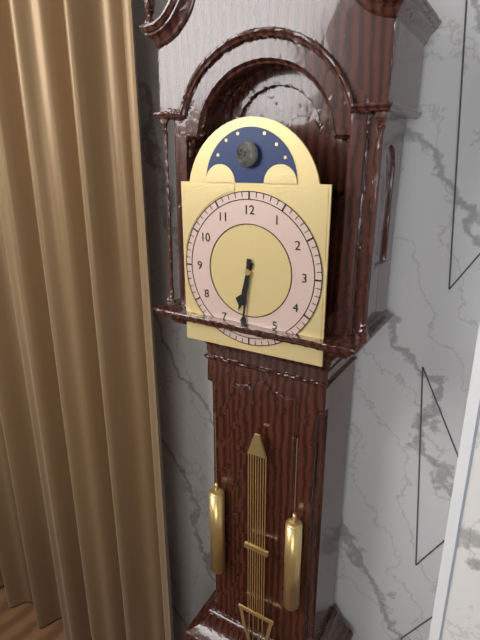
6:31
